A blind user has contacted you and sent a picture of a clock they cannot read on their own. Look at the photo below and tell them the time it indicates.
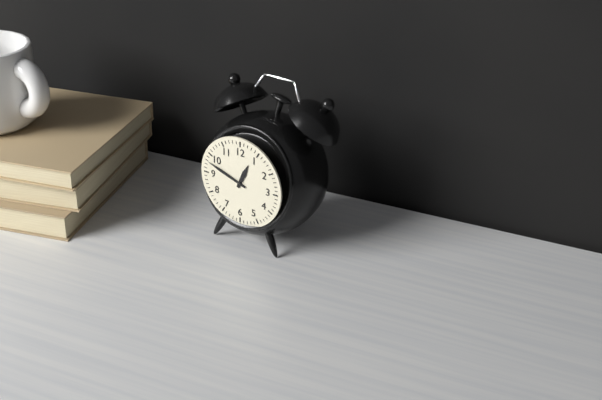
12:48
